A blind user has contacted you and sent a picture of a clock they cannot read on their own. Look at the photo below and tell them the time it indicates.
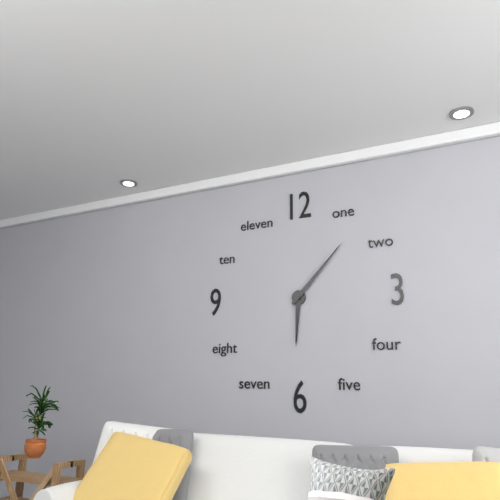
6:07
